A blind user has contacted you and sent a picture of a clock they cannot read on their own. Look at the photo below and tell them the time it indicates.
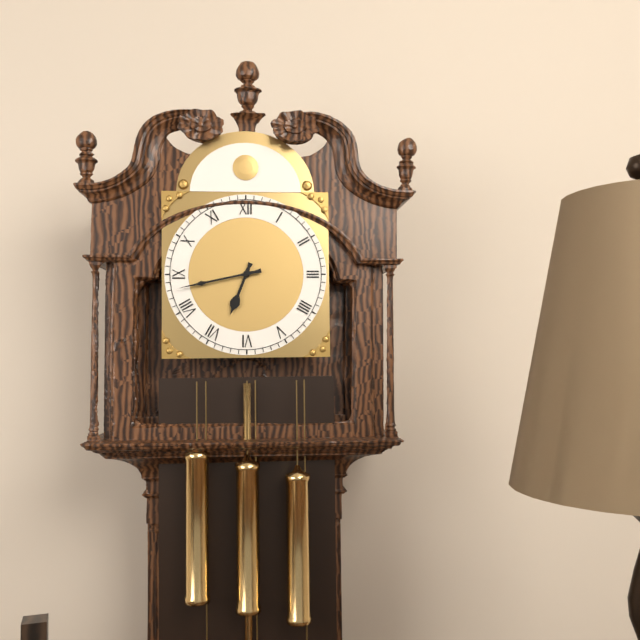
6:43
